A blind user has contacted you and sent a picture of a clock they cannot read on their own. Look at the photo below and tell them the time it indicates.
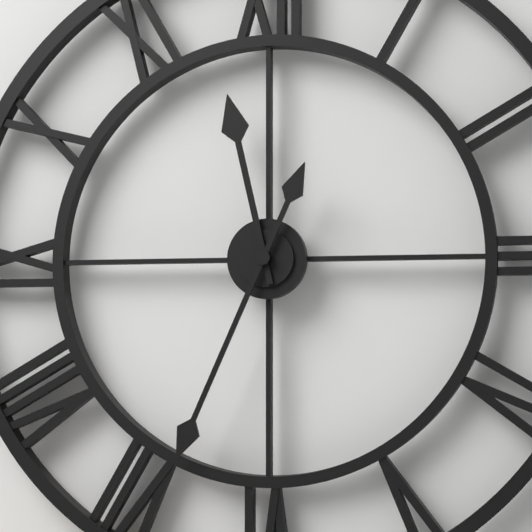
11:34
